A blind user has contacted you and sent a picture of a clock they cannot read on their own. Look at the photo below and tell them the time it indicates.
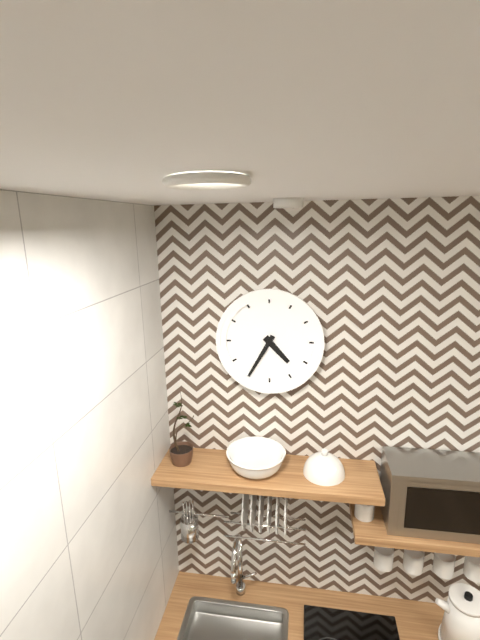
4:35
